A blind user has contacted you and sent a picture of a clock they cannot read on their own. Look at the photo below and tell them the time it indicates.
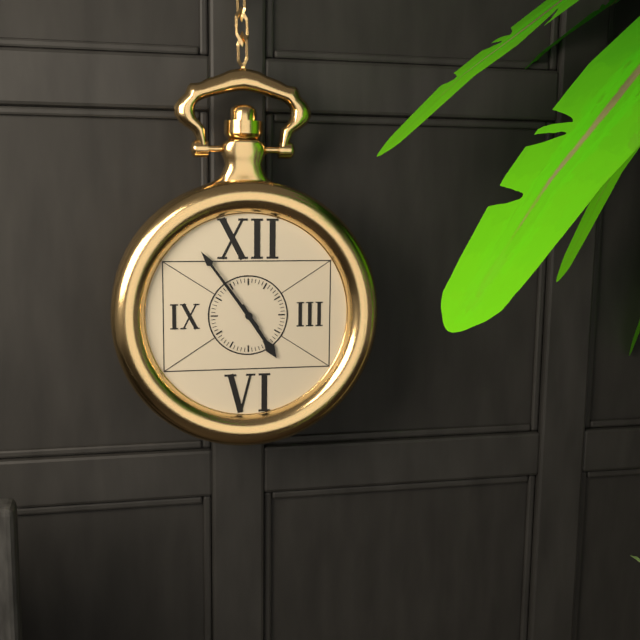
4:54
